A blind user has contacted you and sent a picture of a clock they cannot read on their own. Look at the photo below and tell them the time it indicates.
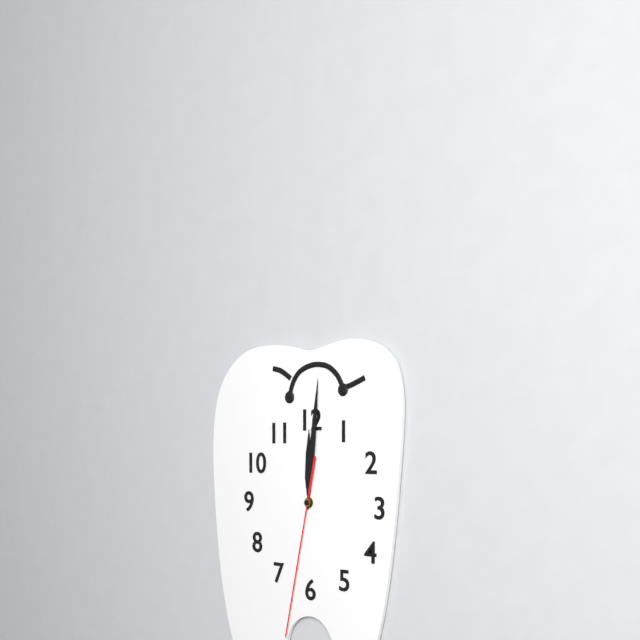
12:01:32
